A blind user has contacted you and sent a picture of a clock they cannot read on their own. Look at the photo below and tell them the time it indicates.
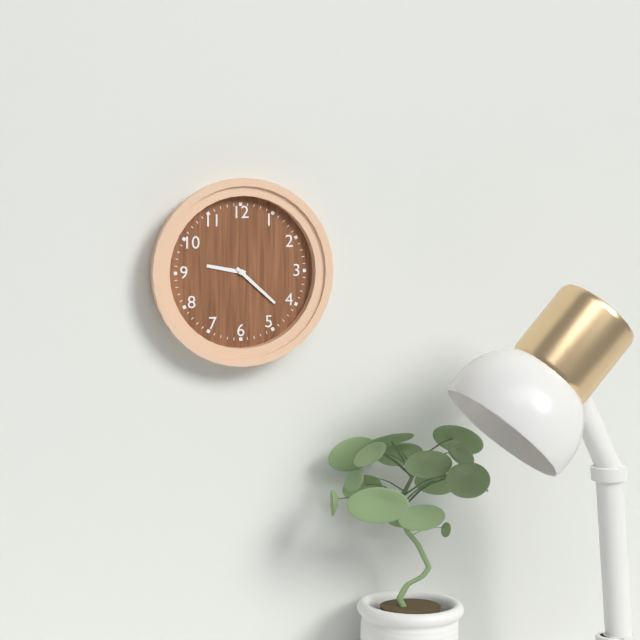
9:22
